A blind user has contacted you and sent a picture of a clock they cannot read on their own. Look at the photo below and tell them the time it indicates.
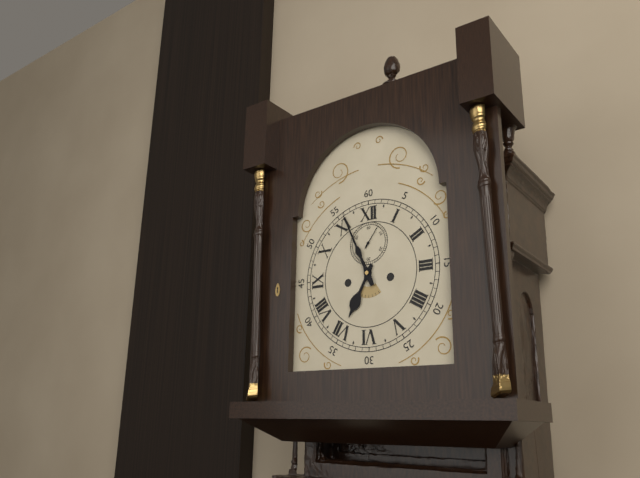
6:56
